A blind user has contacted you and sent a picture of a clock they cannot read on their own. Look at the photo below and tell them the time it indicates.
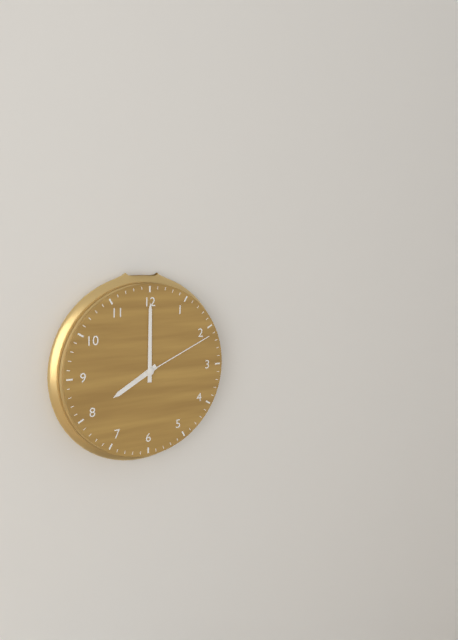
8:00:11
